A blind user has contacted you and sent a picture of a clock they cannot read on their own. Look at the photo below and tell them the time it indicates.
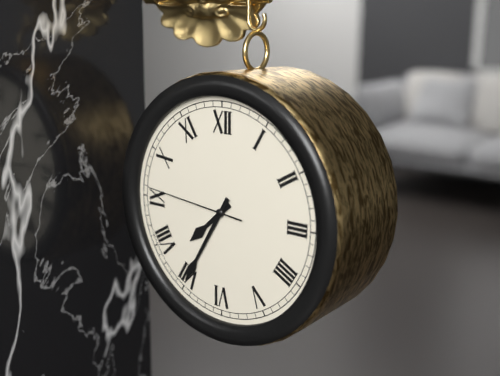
7:35:46
